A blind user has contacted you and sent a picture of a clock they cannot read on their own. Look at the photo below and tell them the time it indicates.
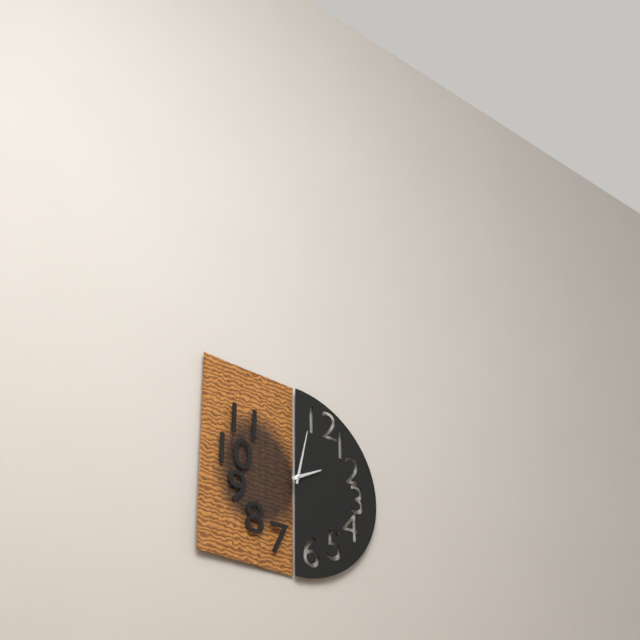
2:02
